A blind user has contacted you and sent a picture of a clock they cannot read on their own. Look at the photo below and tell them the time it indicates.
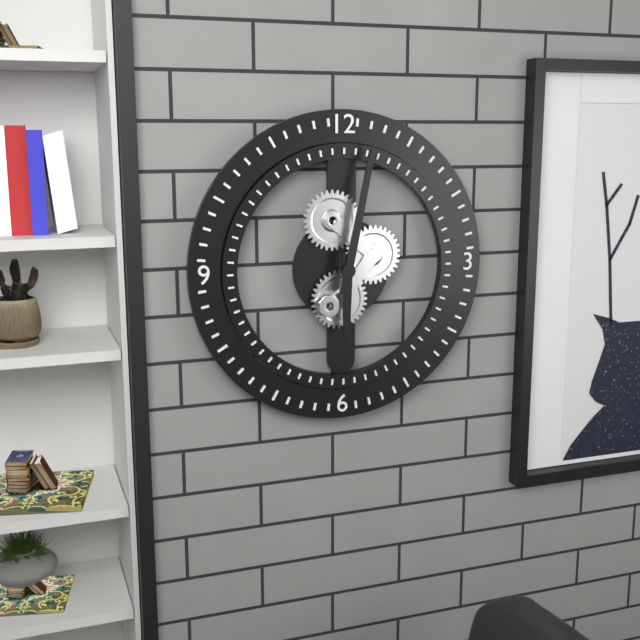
6:02
